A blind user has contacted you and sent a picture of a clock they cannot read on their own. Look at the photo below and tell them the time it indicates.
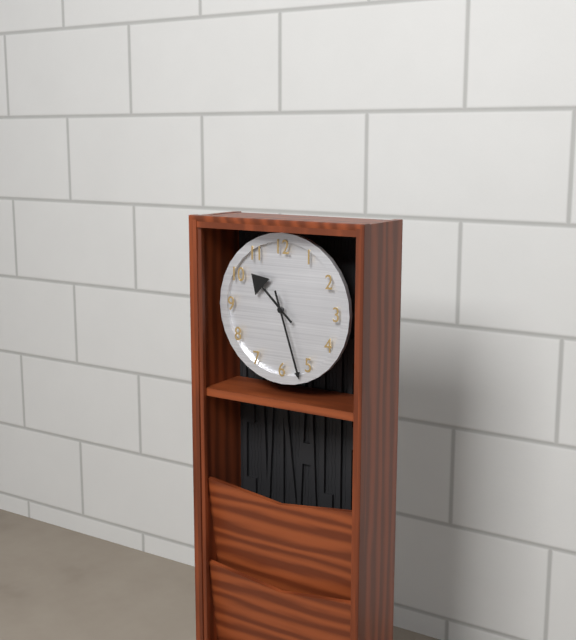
10:27
